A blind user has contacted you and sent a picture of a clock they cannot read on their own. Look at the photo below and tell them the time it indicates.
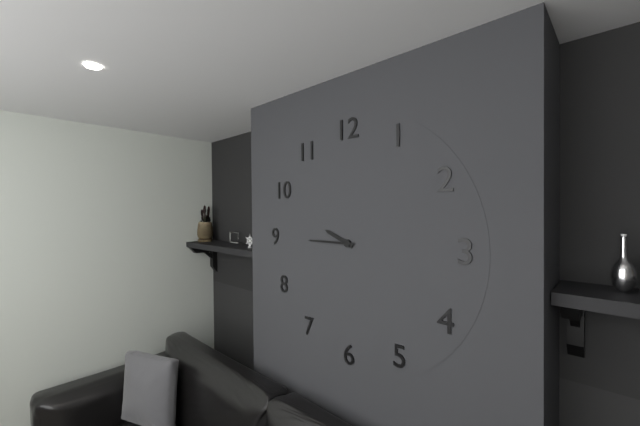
9:45
